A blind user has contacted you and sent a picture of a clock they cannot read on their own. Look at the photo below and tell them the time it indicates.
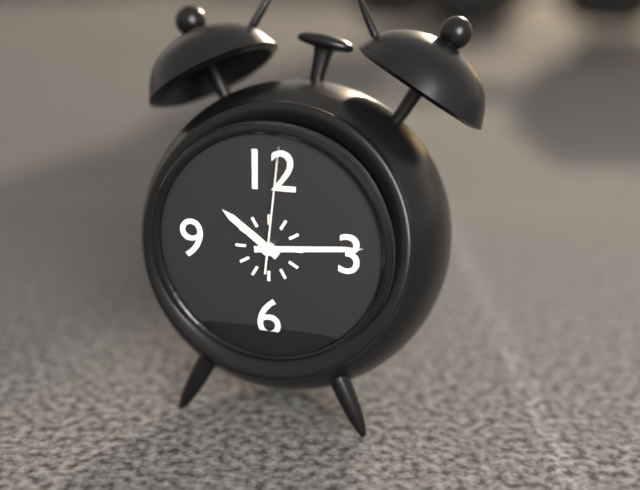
10:14:01
